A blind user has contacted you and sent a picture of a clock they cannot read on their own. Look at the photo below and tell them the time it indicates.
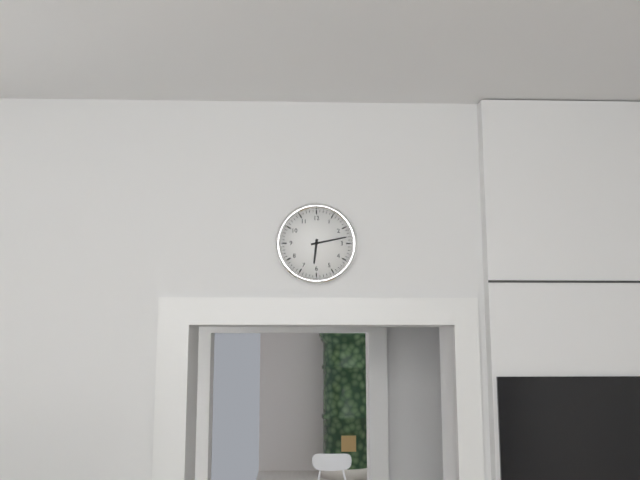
6:13
